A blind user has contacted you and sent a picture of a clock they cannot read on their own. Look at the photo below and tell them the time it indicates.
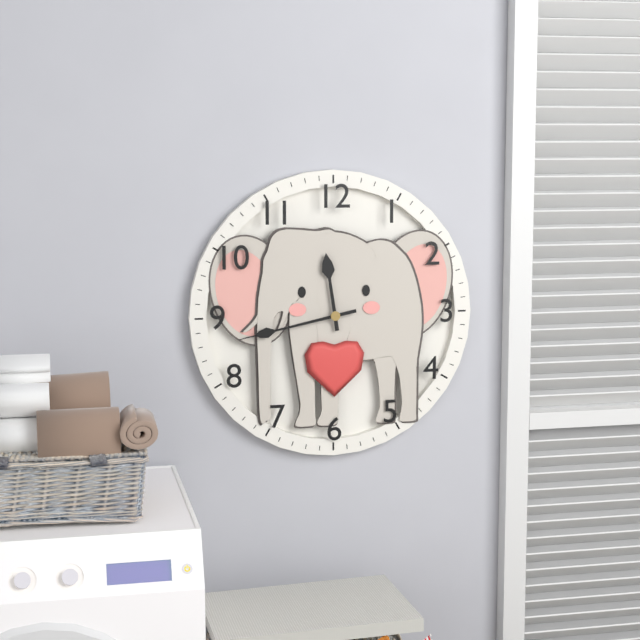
11:43
